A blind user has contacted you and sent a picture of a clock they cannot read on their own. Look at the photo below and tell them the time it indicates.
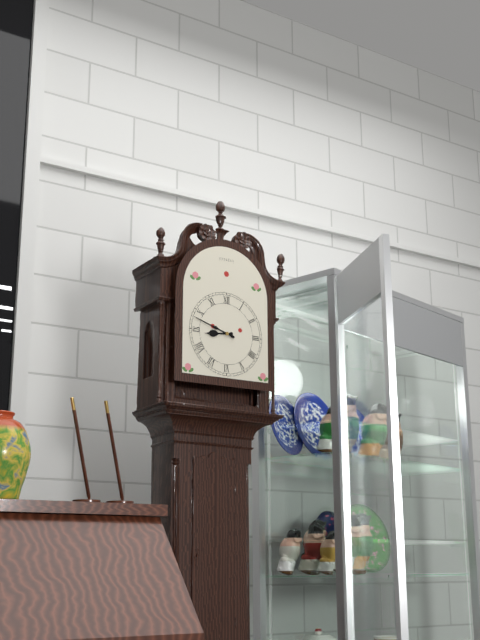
8:48
